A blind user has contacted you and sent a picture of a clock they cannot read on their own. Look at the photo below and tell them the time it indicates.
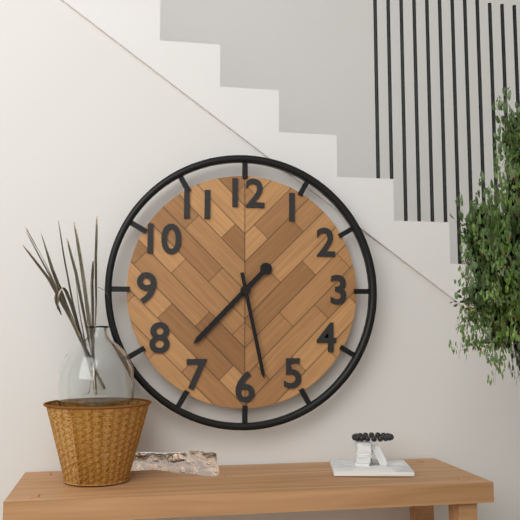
7:28
